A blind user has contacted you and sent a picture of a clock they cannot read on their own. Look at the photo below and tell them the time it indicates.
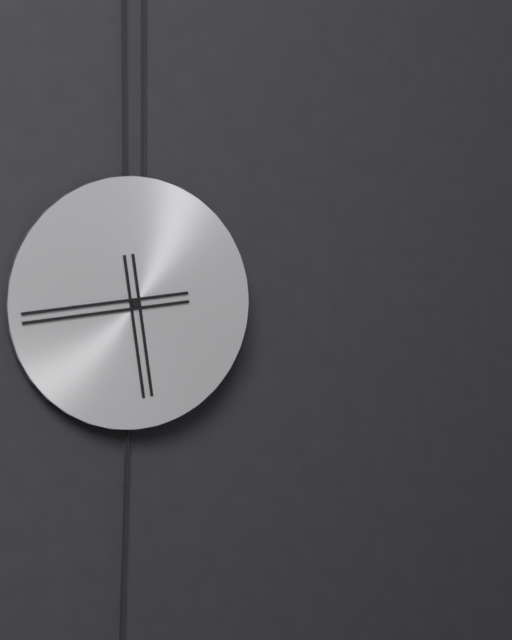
5:44
